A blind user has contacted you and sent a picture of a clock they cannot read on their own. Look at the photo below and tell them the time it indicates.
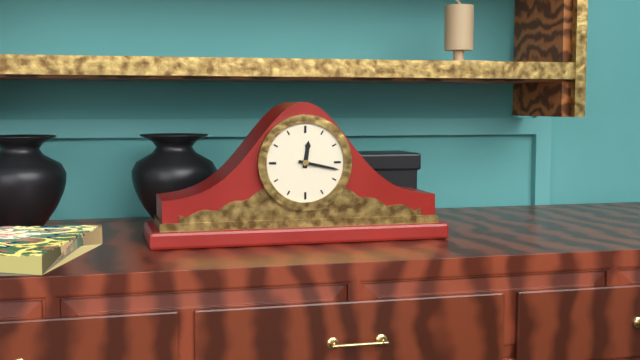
12:17
